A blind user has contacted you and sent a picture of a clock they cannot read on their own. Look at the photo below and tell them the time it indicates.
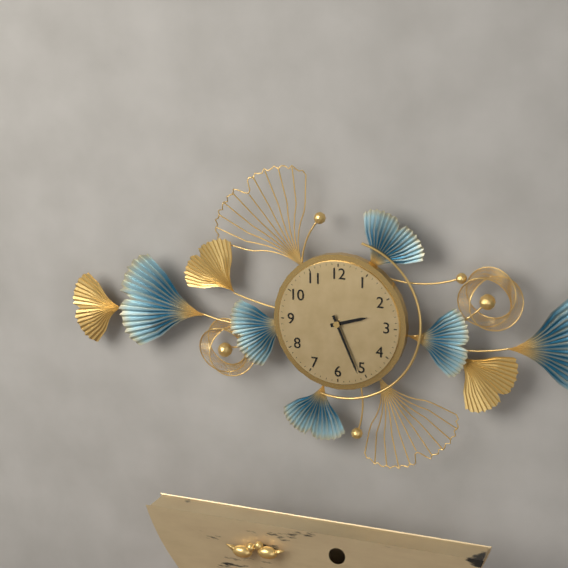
2:26
